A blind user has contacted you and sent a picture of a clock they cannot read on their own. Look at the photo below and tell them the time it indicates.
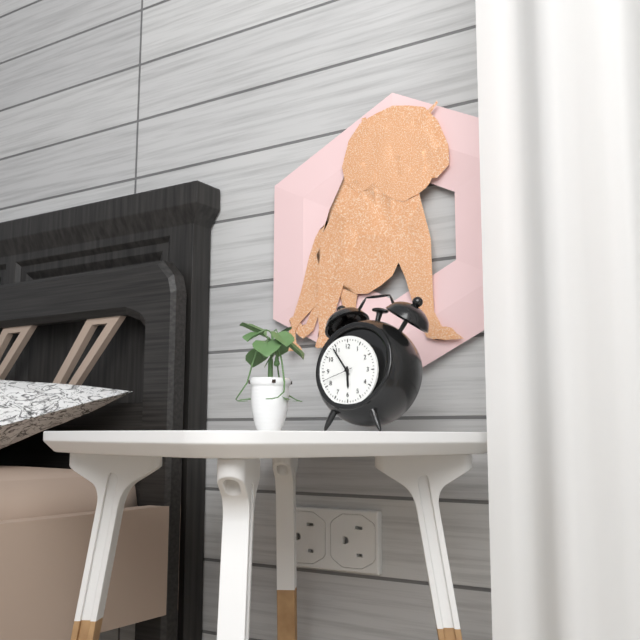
5:54
